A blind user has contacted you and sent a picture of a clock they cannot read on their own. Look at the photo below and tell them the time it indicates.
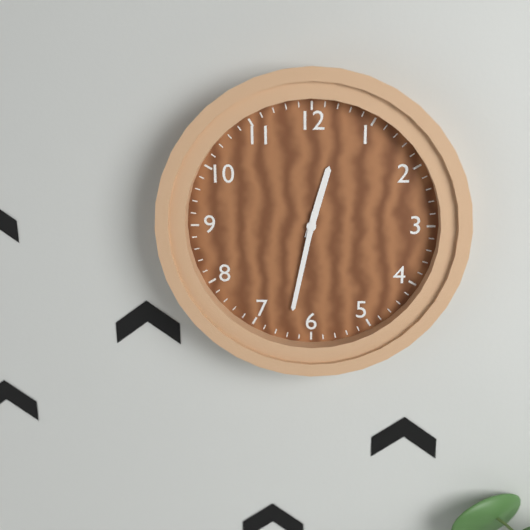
12:32
